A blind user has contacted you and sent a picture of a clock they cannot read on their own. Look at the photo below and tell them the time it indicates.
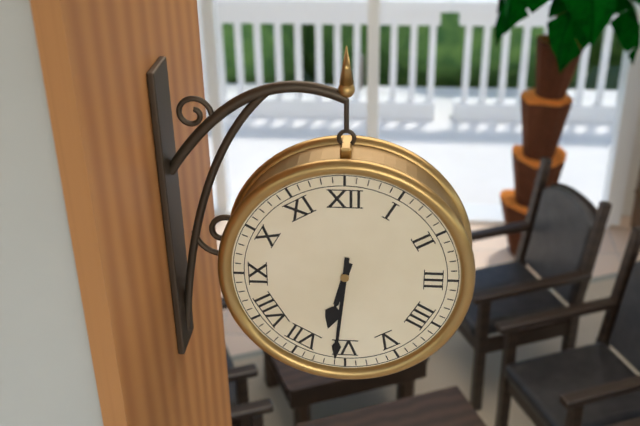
6:31
